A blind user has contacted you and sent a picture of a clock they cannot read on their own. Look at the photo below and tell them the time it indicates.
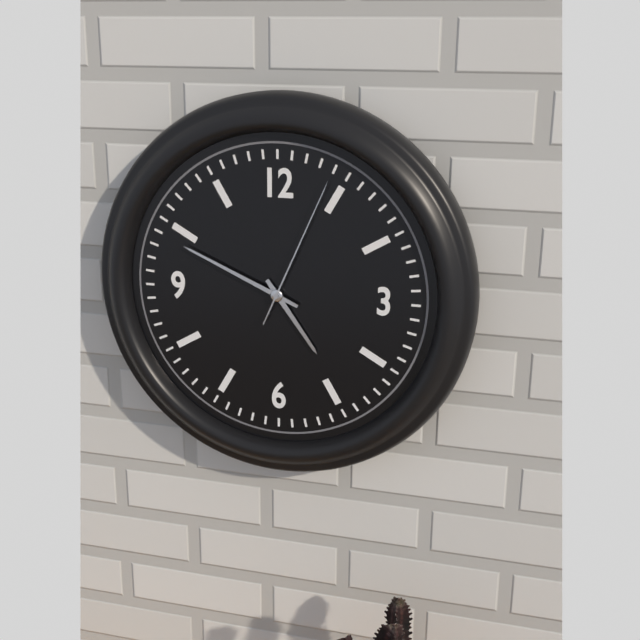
4:49:04
